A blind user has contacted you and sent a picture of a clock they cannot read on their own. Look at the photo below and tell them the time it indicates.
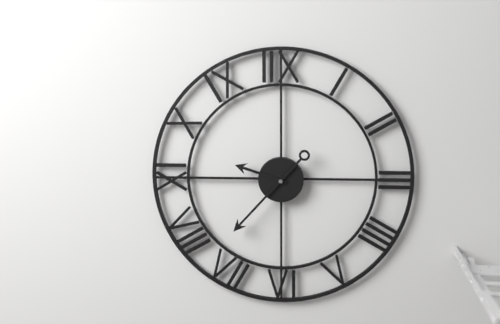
9:37
